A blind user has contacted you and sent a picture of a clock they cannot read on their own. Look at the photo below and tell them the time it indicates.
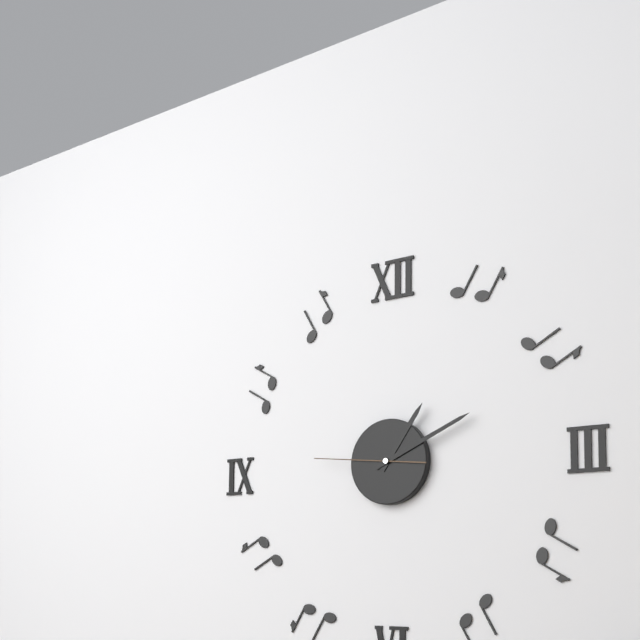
1:11:46
